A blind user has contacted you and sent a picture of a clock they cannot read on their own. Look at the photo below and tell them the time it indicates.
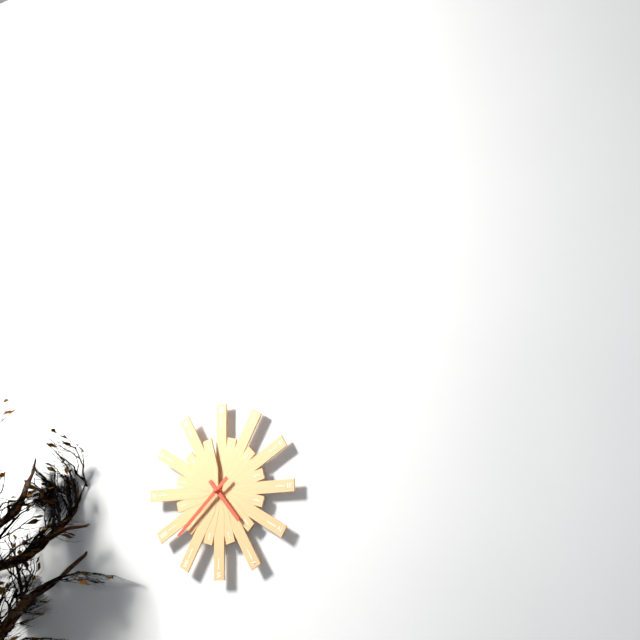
4:38
